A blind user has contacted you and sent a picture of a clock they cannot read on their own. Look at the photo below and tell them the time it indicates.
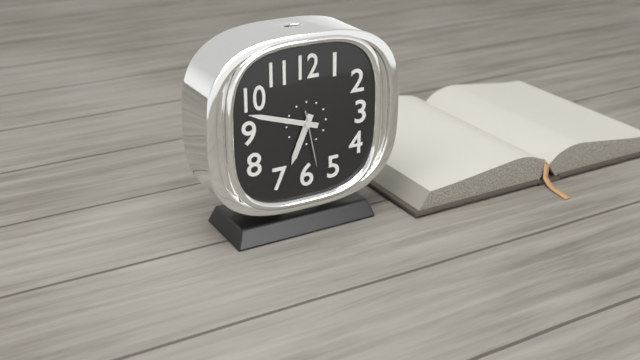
6:48:28
